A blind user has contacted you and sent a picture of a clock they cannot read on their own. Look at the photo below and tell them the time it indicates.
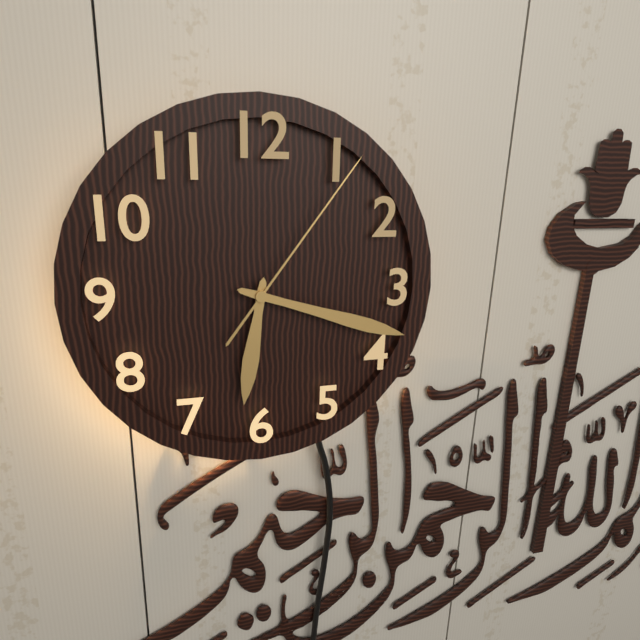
6:18:06
